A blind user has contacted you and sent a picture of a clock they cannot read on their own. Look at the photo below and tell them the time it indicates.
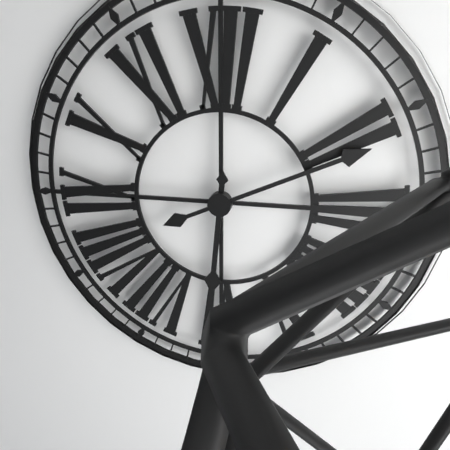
6:11
